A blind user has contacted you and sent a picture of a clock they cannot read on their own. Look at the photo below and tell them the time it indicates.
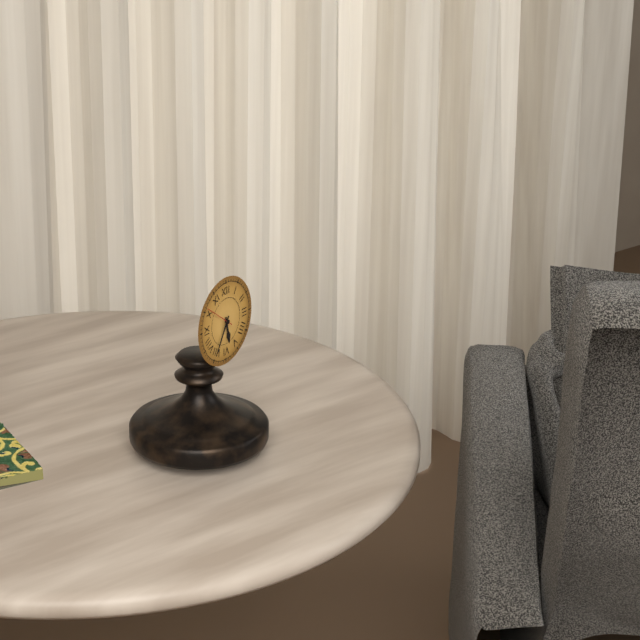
5:35
